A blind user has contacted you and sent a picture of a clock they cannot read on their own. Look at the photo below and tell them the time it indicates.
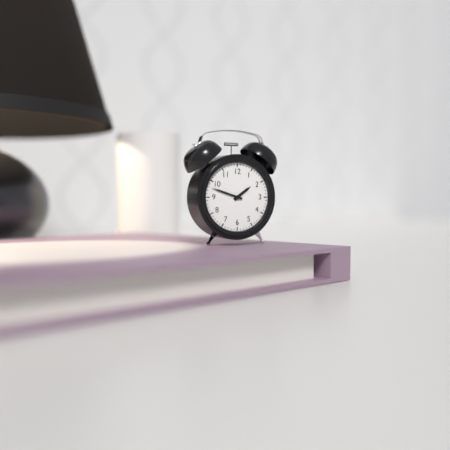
1:48
